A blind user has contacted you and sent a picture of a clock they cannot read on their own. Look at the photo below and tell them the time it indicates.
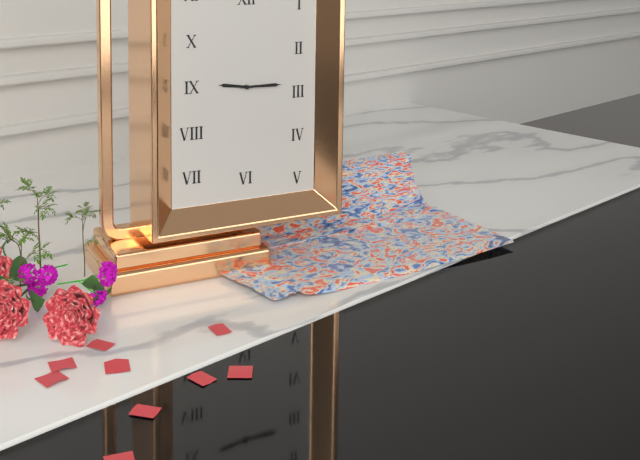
9:15
